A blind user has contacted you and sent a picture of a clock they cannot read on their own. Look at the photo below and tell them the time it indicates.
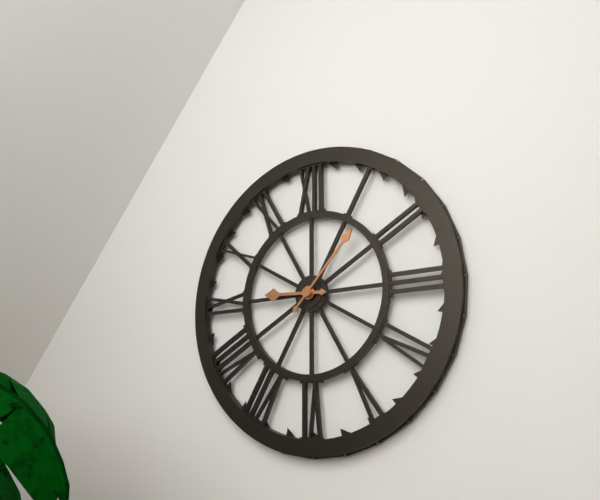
9:07
